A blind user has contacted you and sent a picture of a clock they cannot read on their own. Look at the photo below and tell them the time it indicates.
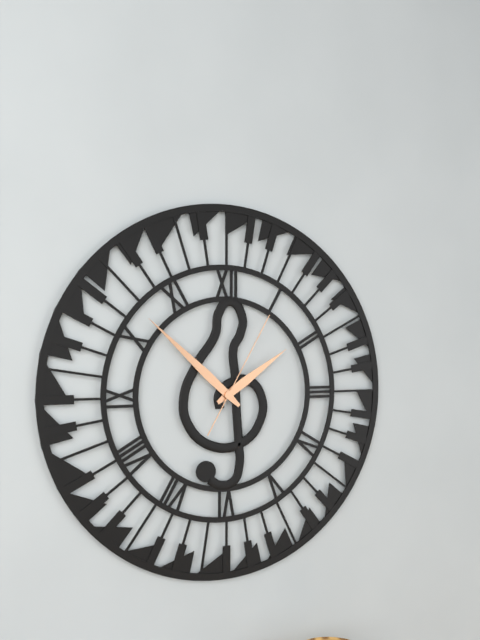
1:52:05
